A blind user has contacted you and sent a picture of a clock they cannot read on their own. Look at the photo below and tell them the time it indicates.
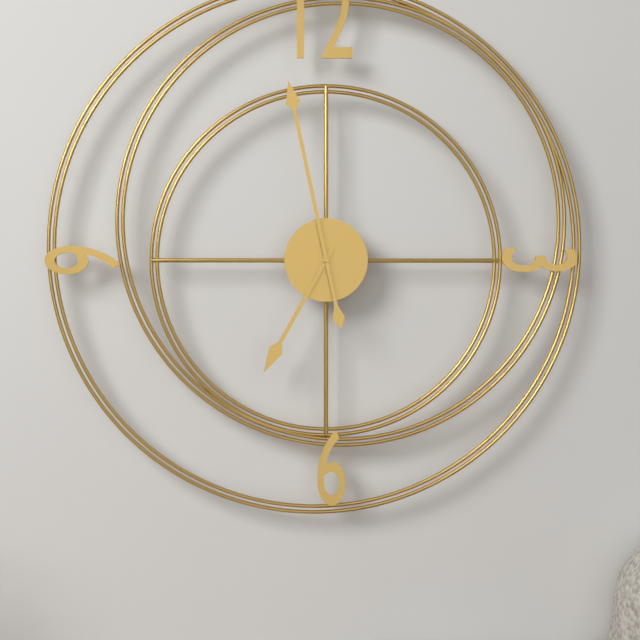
6:58
